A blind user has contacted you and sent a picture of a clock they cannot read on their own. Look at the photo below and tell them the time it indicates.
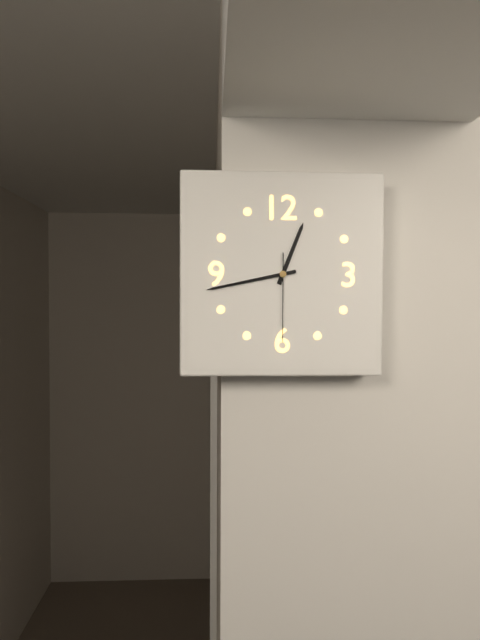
12:43:30
